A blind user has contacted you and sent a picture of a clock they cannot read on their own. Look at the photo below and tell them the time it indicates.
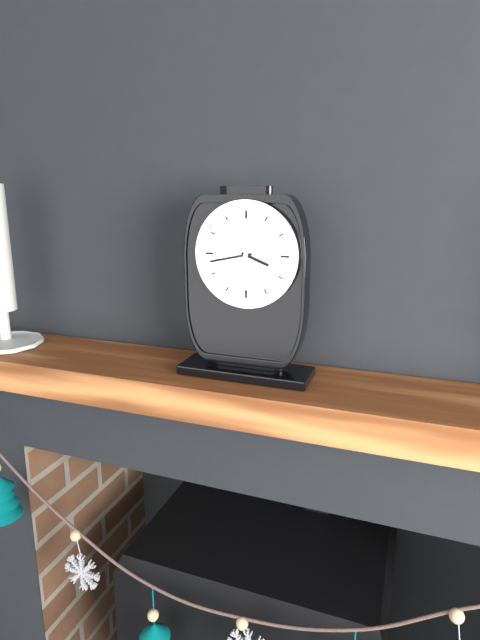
3:43
